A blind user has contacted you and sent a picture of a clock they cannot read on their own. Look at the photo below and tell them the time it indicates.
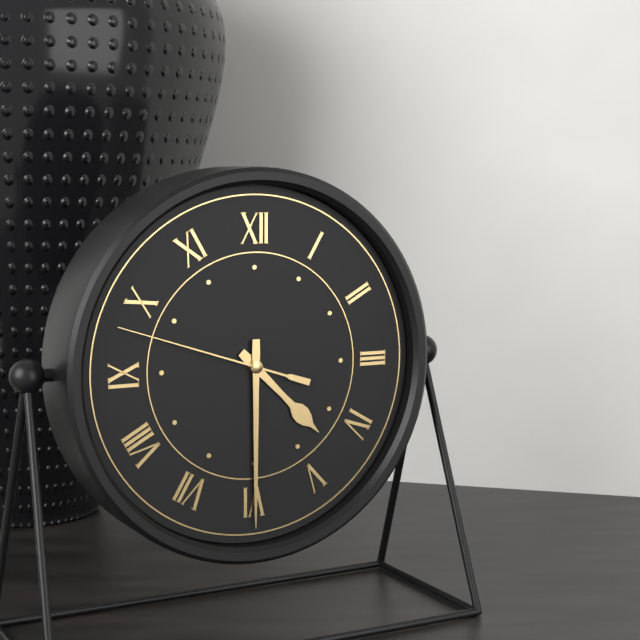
4:30:48
